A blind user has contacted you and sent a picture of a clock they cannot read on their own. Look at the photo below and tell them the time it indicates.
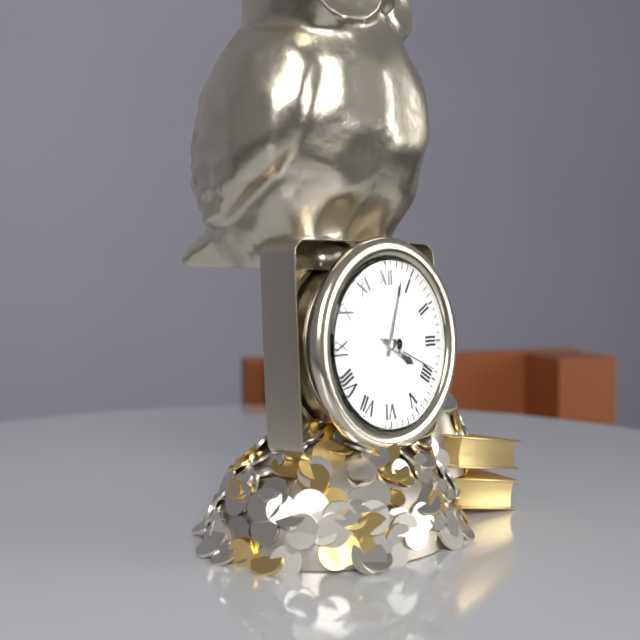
4:03:19
